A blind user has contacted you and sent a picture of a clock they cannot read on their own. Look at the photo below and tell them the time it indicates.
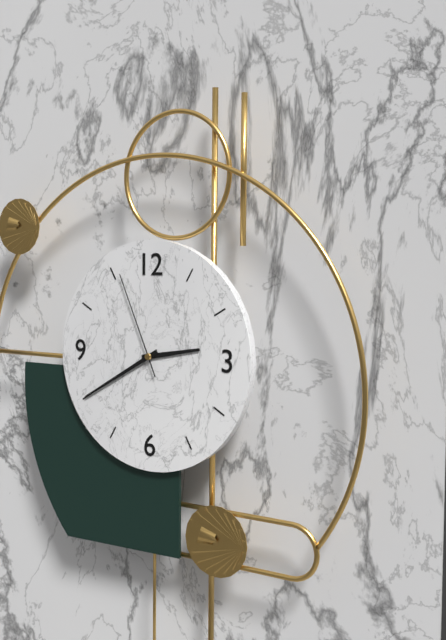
2:40:56
